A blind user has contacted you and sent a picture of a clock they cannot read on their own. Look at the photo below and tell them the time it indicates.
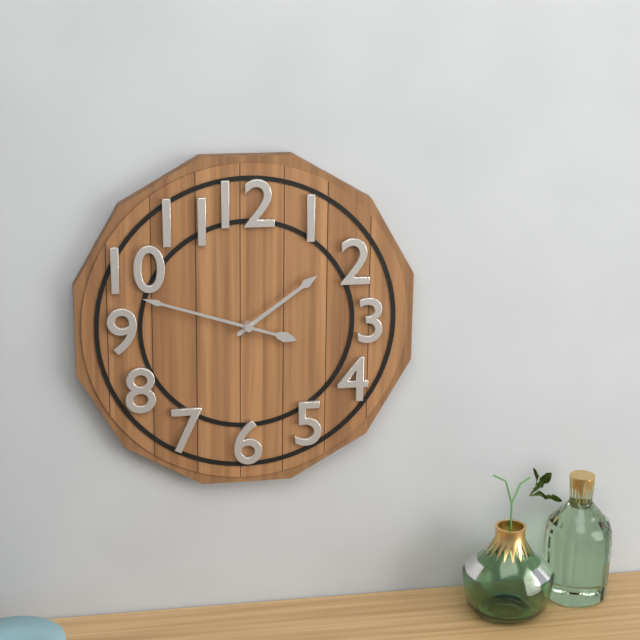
1:48
